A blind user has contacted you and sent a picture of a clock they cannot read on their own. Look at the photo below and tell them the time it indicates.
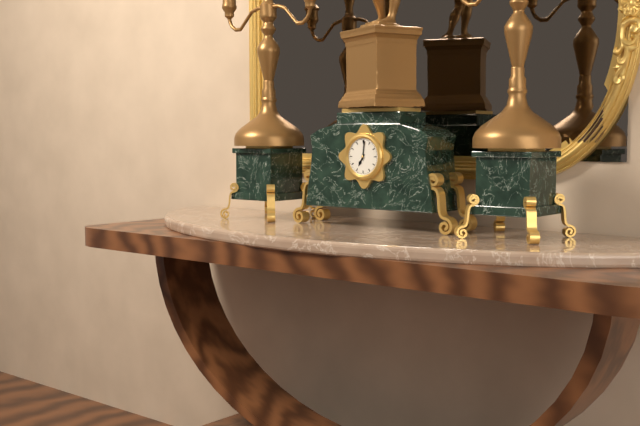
7:01
